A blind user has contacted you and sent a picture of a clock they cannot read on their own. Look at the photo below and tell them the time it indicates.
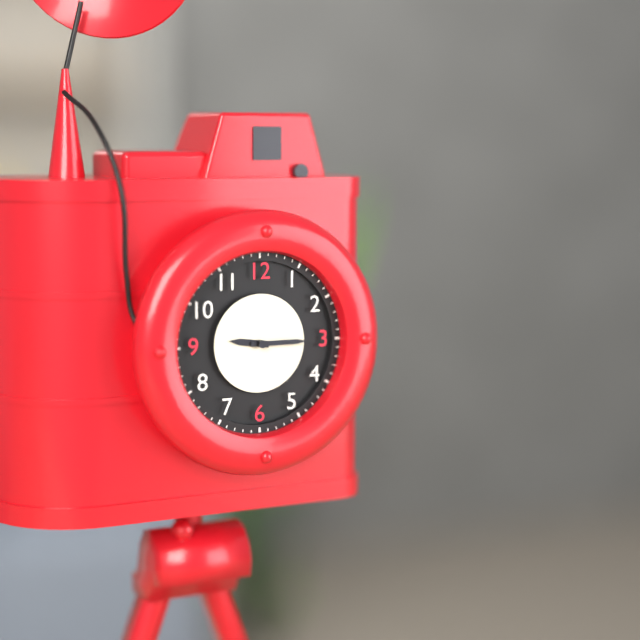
9:15
